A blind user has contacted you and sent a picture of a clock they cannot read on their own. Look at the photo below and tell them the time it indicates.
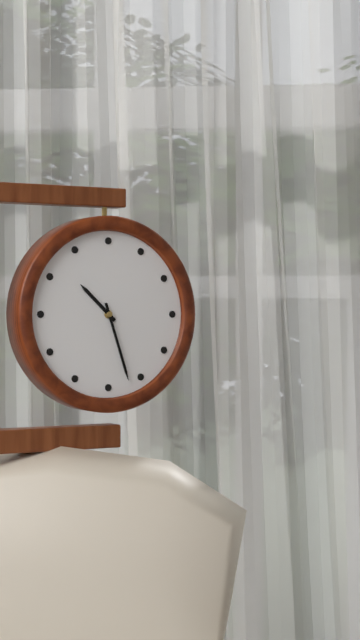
10:27
